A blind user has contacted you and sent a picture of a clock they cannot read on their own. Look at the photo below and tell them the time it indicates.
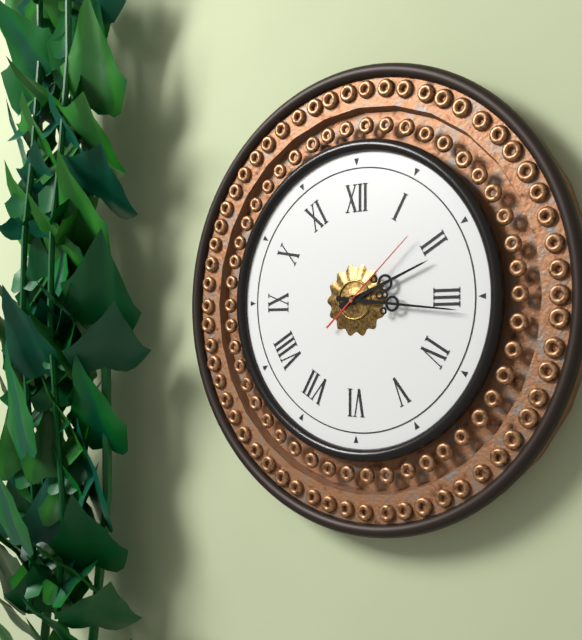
2:16:08
